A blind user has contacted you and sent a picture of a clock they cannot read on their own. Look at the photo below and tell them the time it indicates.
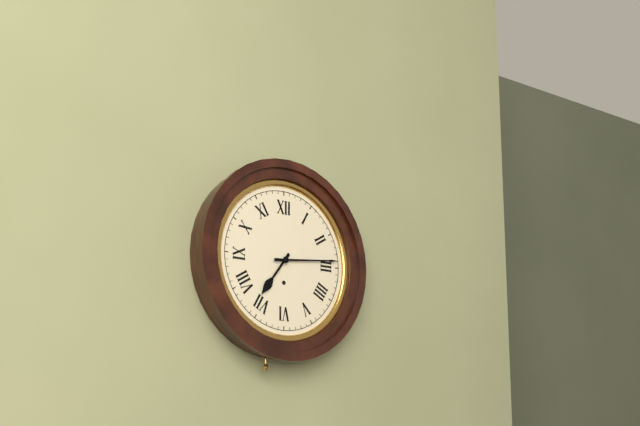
7:14
